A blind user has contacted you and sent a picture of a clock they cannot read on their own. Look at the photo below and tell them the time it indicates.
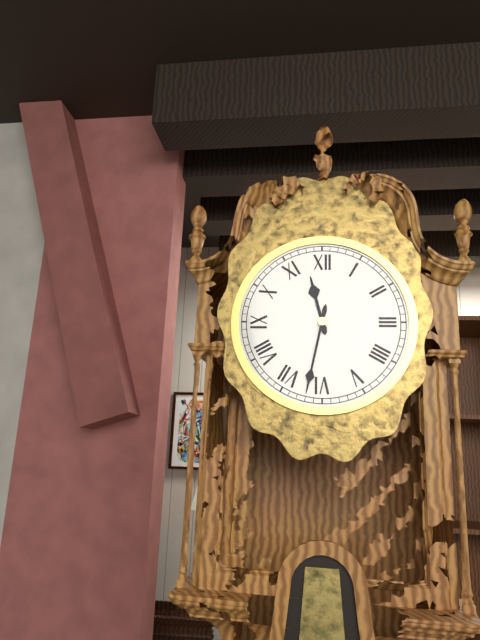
11:32
